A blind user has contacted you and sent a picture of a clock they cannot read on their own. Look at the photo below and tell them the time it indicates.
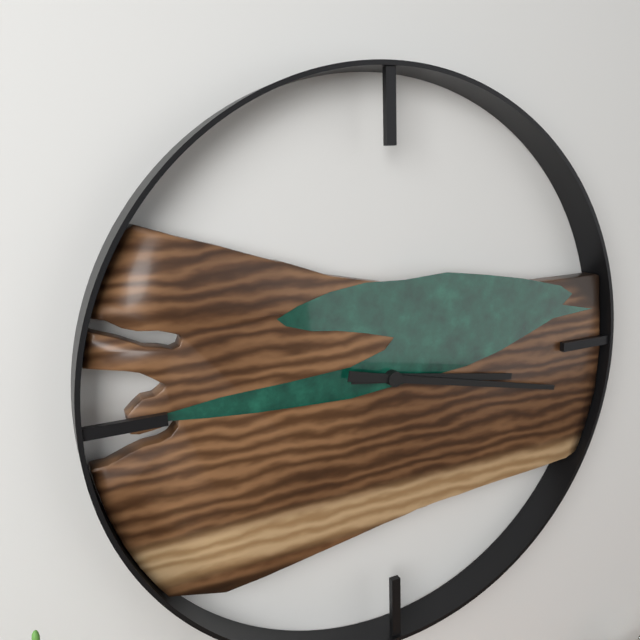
3:17
